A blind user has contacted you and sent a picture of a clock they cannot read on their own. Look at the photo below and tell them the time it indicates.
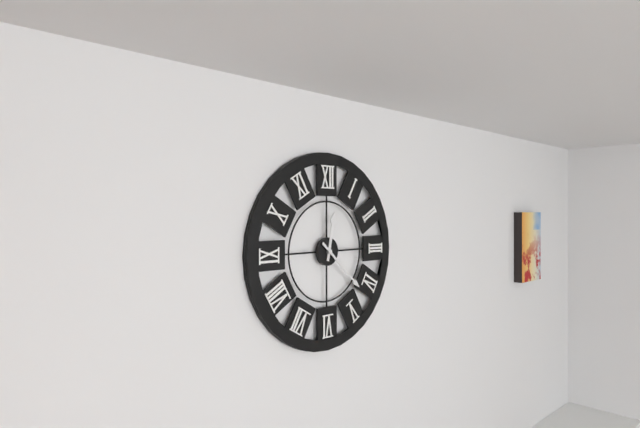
12:22
